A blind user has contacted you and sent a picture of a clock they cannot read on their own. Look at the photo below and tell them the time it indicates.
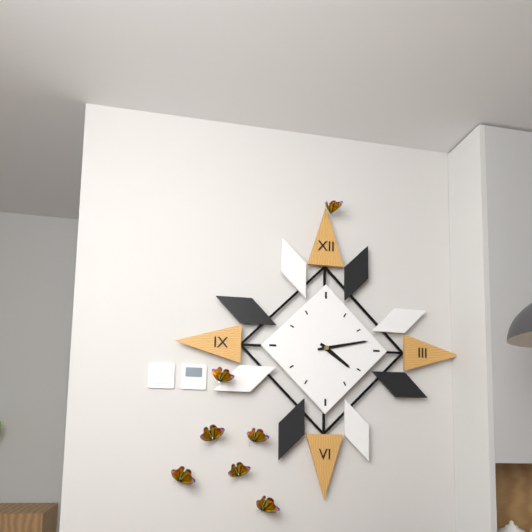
4:13
